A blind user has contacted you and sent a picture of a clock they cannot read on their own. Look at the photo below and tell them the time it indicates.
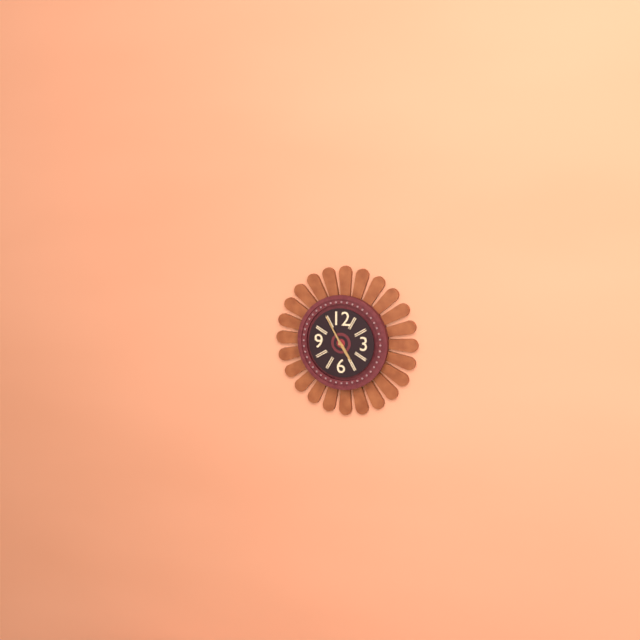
4:55
